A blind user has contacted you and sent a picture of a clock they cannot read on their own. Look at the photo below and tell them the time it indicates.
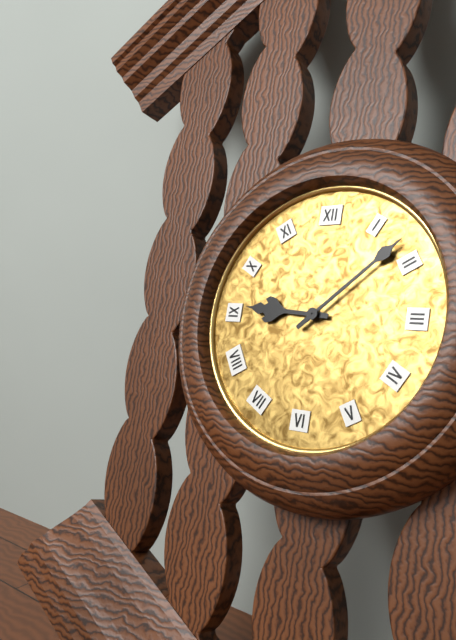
9:08
